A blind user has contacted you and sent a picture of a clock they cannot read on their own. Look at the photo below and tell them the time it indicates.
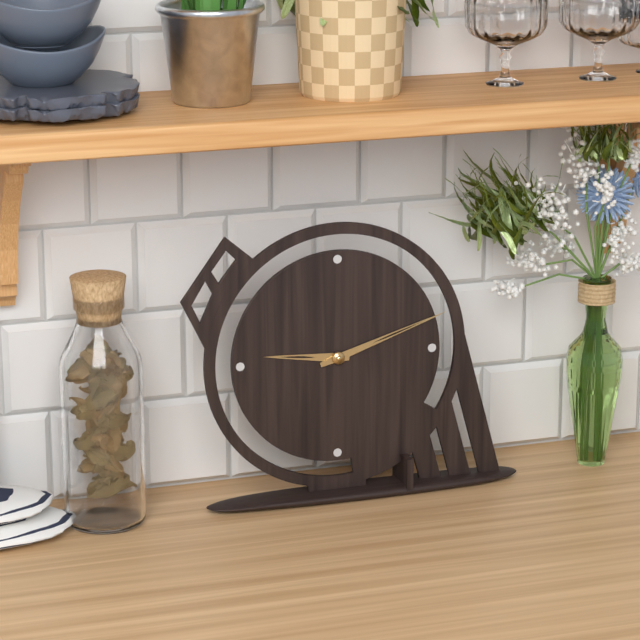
9:12
